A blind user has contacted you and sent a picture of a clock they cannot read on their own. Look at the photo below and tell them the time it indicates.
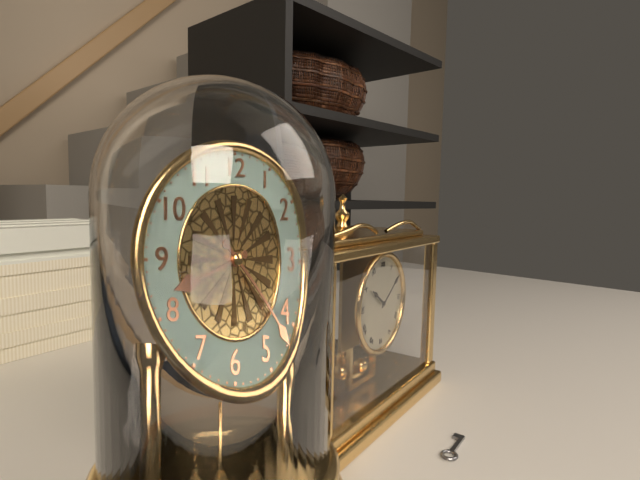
8:22
